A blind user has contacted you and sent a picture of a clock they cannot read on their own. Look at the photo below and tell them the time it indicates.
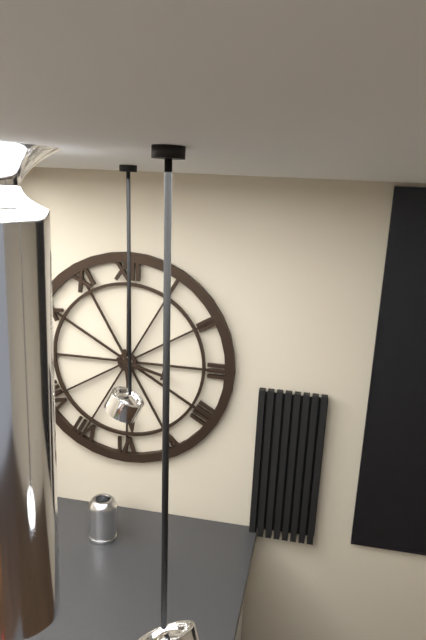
3:29
